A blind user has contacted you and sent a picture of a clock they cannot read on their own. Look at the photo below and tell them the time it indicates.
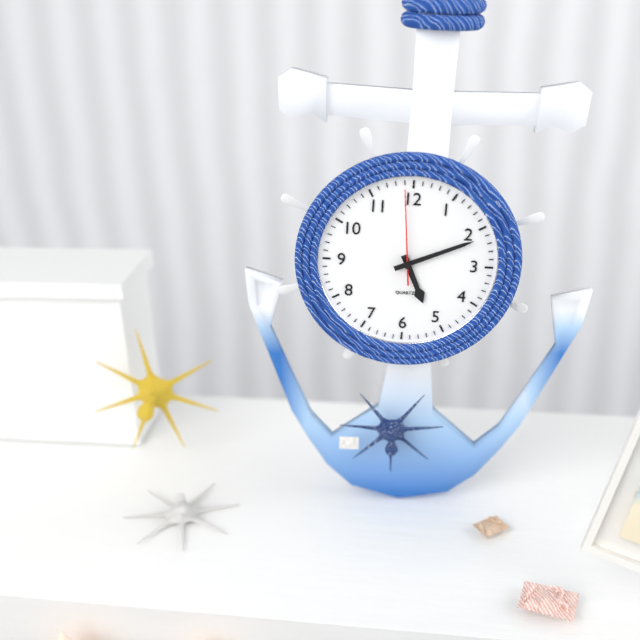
5:11:59
